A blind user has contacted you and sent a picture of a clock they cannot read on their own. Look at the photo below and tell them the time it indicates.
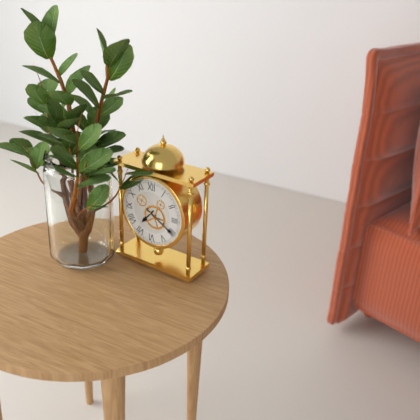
7:20
